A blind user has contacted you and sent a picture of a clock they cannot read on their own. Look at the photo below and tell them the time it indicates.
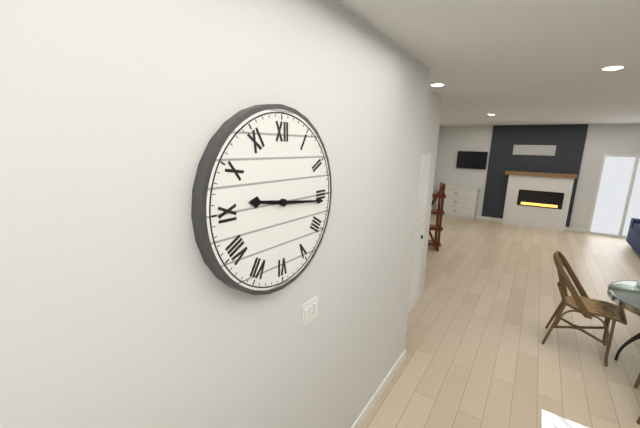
9:16
